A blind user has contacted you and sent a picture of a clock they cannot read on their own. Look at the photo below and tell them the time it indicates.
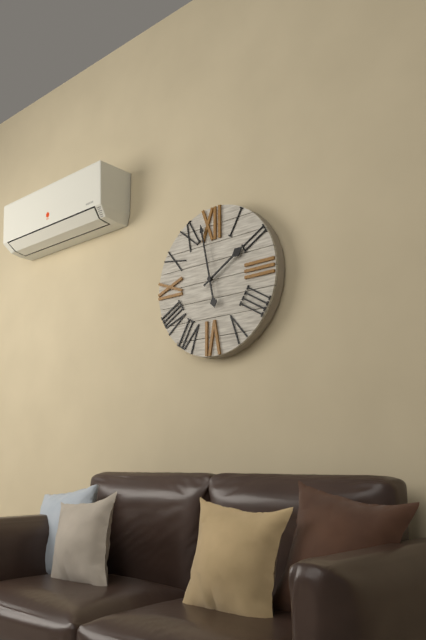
1:58
